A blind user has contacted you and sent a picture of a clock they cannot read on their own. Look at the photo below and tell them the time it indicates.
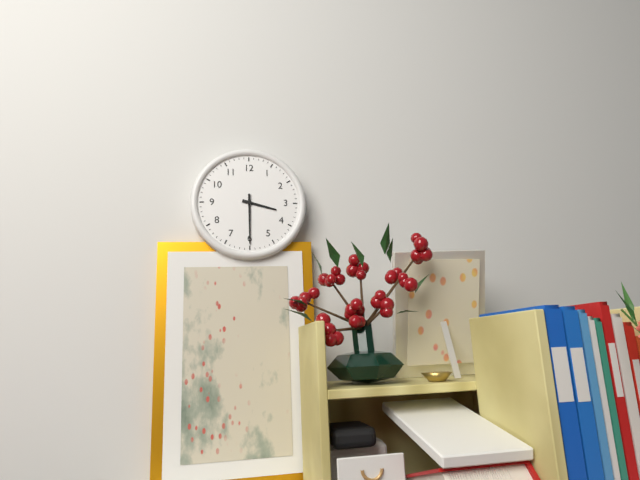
3:30
